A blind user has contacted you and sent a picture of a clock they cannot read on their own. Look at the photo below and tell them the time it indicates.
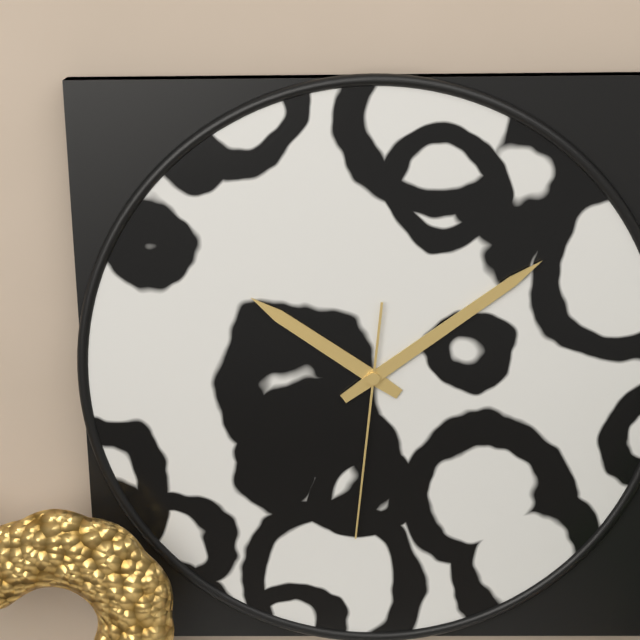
10:09:31
